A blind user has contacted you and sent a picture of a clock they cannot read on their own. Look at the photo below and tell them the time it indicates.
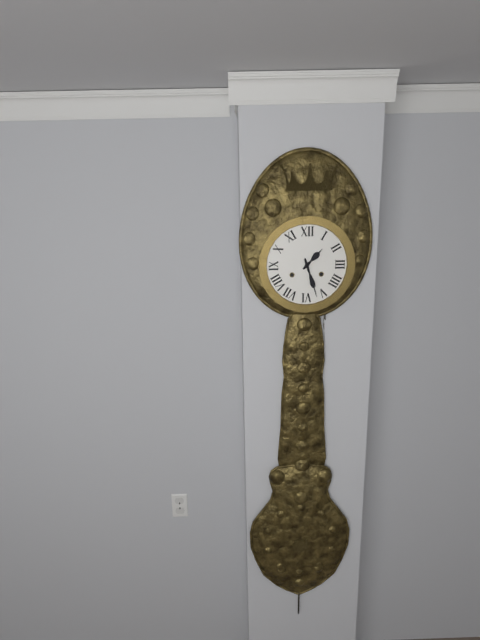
1:27
